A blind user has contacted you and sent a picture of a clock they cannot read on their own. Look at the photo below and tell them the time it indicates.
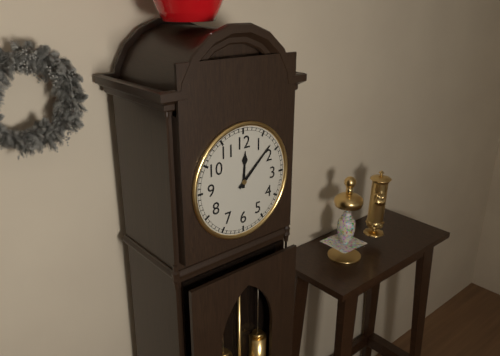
12:08
